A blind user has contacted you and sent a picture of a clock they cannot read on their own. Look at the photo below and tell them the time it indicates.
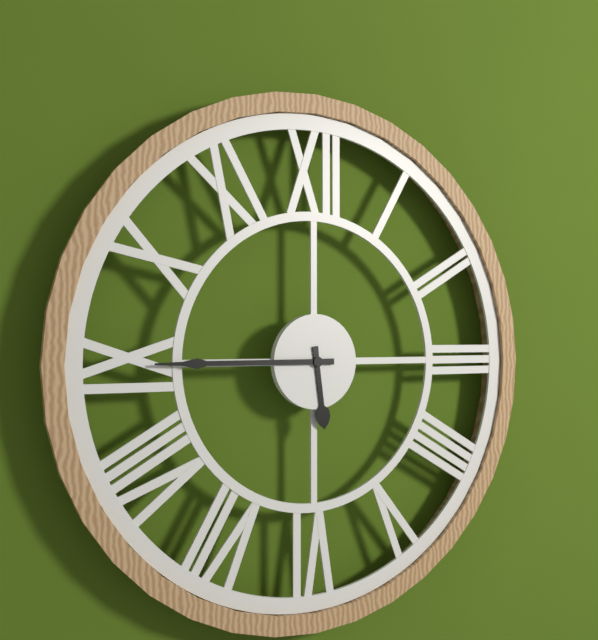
5:45
